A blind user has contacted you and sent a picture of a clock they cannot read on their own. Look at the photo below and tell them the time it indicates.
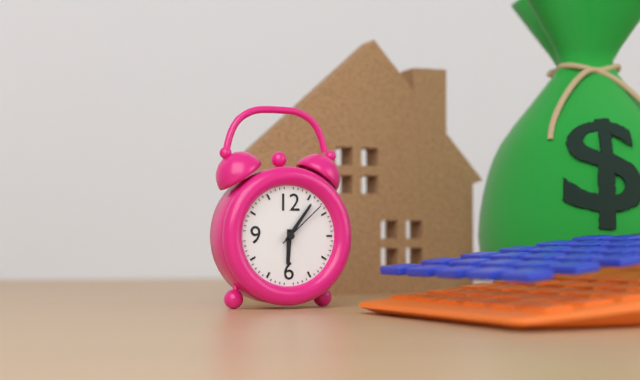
6:06:08
